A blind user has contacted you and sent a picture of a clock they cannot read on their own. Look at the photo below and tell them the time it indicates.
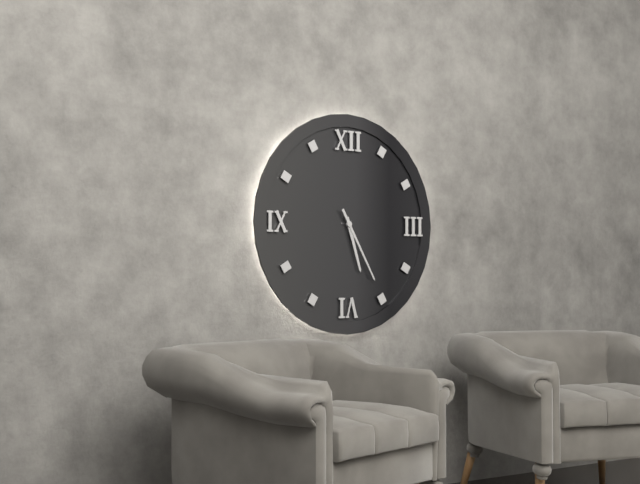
5:25
